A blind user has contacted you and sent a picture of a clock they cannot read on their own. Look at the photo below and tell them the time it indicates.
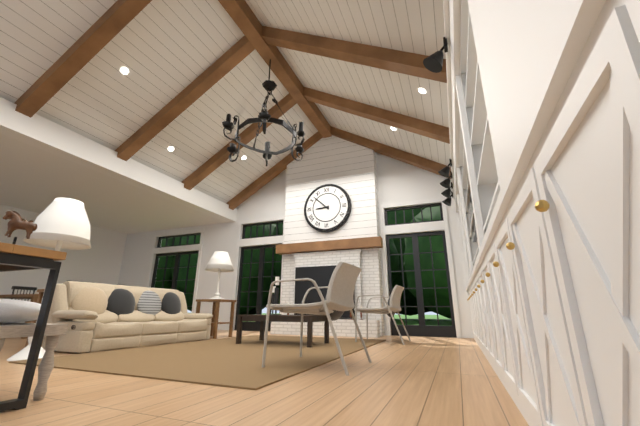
8:52
